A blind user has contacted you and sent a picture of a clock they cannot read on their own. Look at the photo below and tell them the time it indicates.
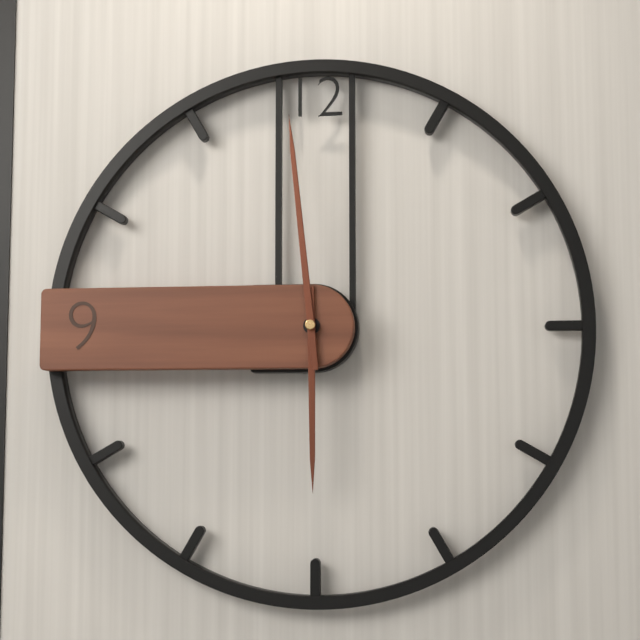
5:59
